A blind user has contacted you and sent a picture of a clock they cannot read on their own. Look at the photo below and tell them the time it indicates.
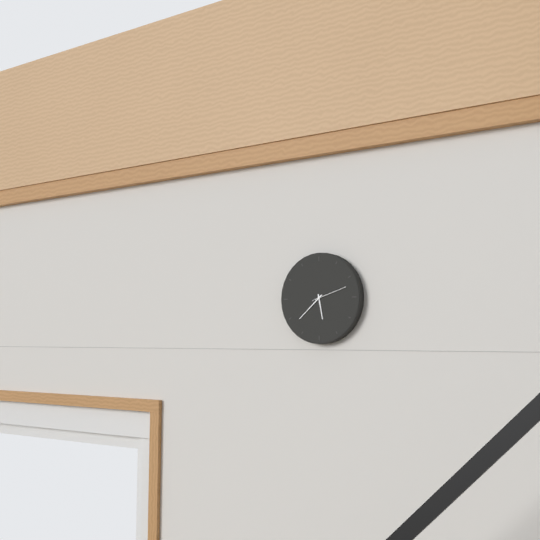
5:38
